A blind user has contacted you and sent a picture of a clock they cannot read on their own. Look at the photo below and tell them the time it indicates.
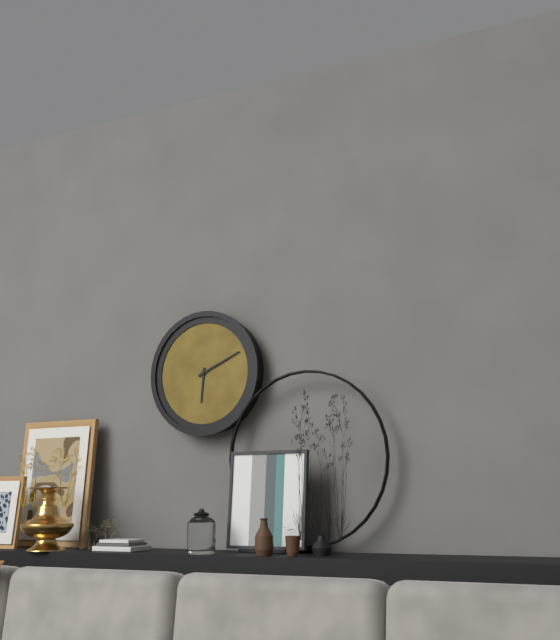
6:11
